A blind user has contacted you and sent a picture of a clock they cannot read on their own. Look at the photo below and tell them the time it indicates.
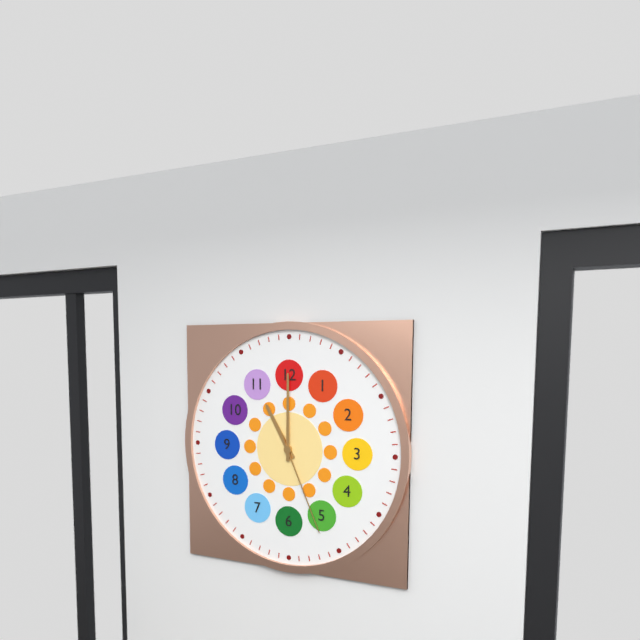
11:00:26
